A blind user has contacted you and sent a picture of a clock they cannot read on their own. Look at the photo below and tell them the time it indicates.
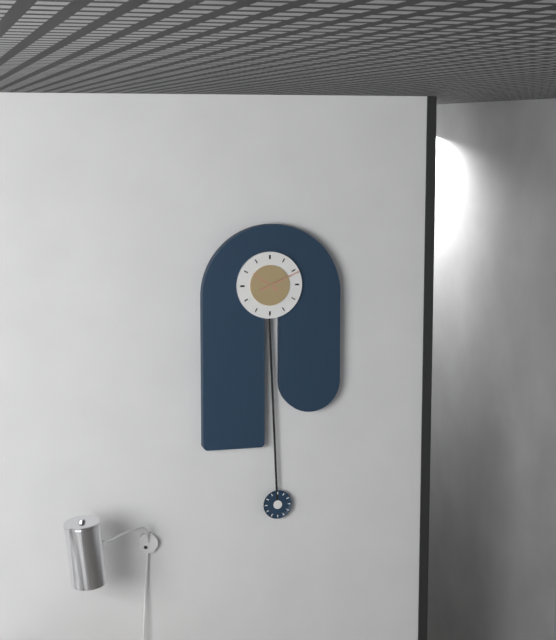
10:11
